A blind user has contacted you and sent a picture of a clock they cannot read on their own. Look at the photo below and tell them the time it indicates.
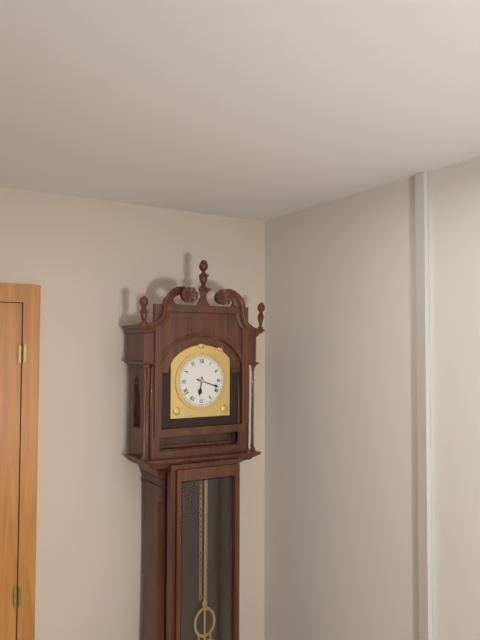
6:18
